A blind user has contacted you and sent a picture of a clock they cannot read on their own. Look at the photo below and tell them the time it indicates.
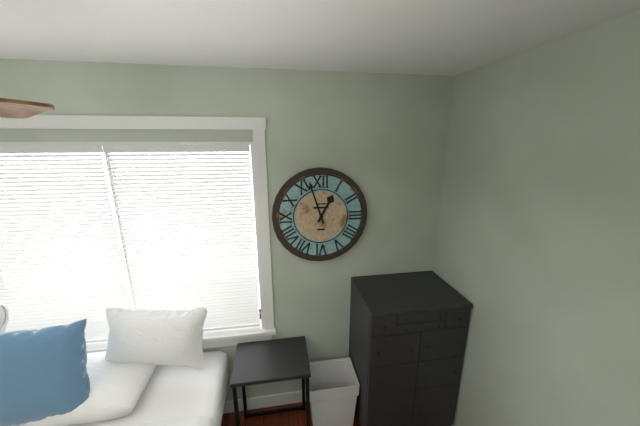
12:57
